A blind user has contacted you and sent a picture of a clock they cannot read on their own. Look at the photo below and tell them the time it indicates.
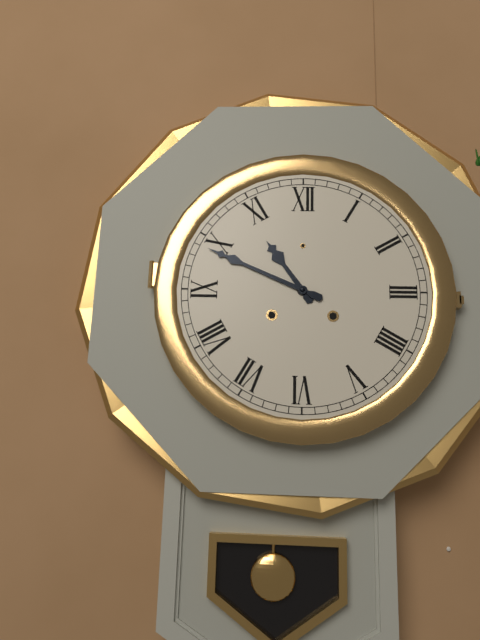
10:49
